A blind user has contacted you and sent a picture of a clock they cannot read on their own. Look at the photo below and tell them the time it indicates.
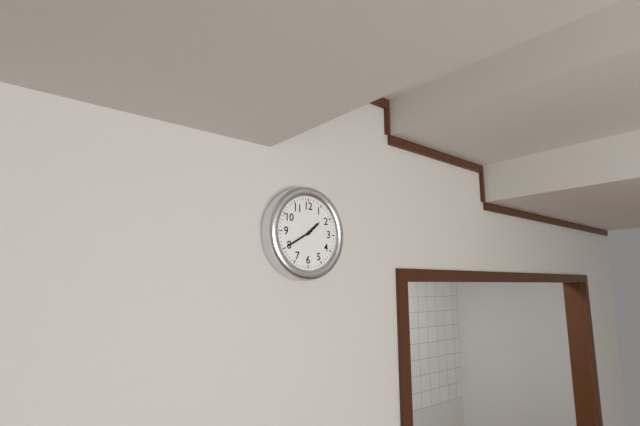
1:40
